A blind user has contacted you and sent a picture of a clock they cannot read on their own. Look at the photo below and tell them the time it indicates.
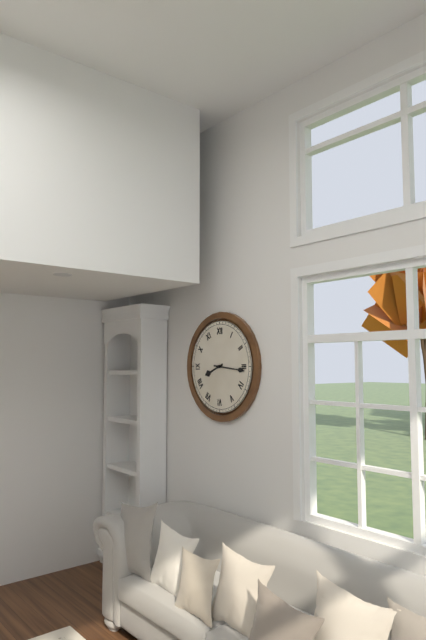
8:16
